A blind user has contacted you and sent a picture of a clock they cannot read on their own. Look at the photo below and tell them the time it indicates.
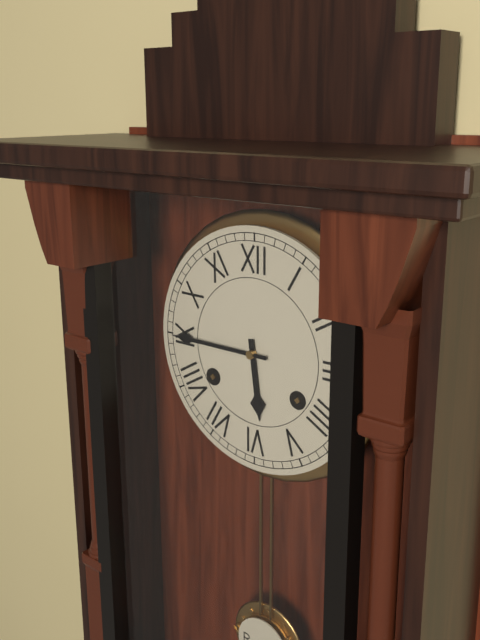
5:45
